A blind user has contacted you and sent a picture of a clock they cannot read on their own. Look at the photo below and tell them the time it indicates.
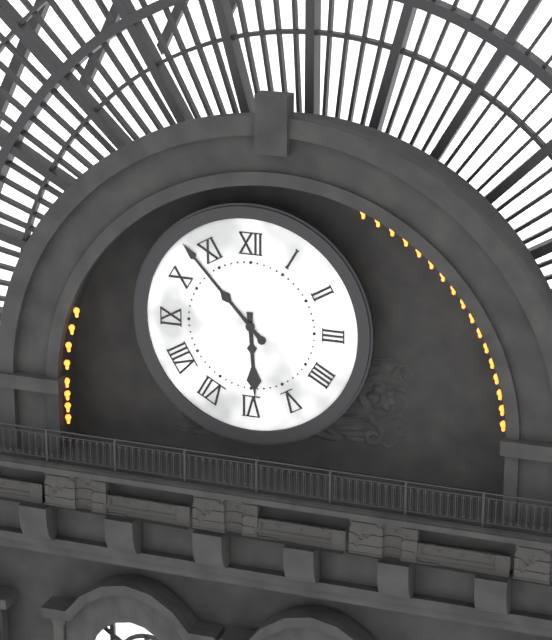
5:53
